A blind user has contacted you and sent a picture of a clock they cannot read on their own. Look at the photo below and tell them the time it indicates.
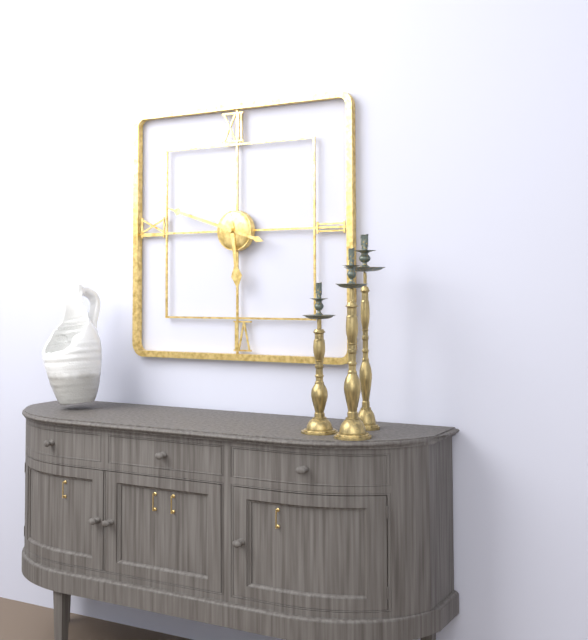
5:48
